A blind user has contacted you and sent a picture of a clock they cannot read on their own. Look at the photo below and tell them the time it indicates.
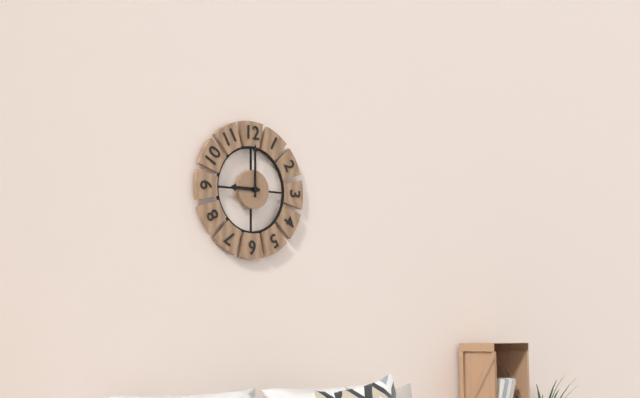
9:00
